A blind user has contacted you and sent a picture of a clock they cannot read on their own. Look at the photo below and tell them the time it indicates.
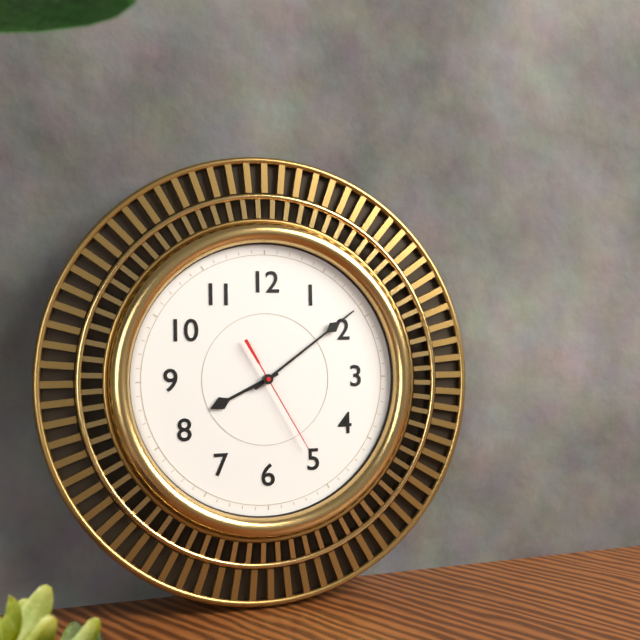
8:09:25
